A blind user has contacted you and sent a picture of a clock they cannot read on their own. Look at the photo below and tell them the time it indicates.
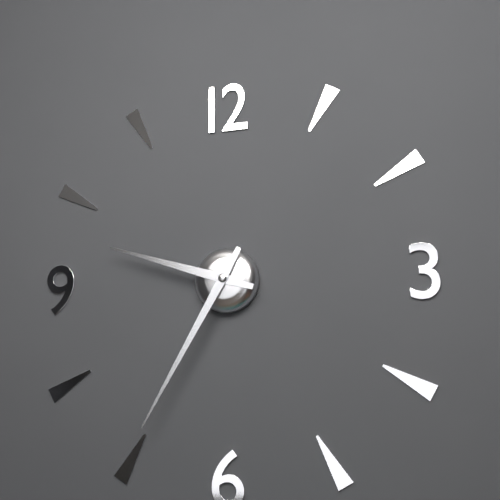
9:35
